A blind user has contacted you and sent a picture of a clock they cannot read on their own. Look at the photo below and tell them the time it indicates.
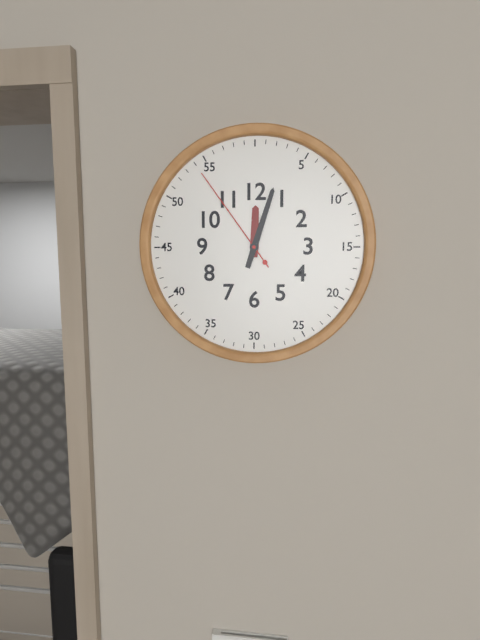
12:03:54
